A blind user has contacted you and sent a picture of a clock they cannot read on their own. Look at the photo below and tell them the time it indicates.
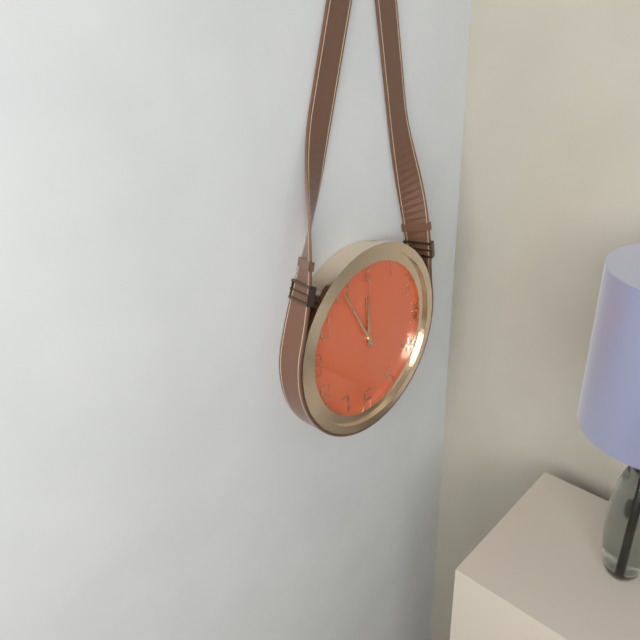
11:55:00
